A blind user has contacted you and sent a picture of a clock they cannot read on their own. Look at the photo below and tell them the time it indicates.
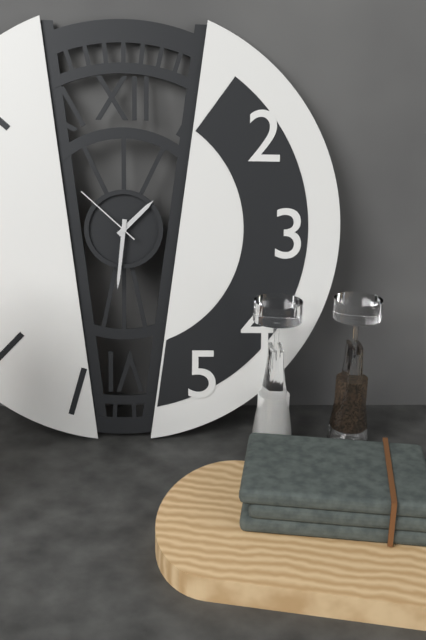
1:31:52
